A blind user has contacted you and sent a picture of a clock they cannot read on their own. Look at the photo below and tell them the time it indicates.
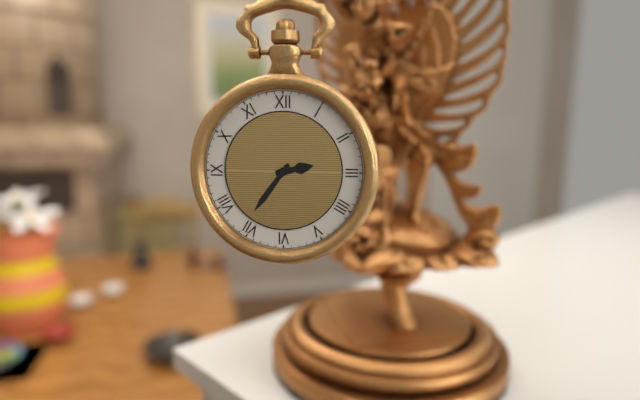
2:36
